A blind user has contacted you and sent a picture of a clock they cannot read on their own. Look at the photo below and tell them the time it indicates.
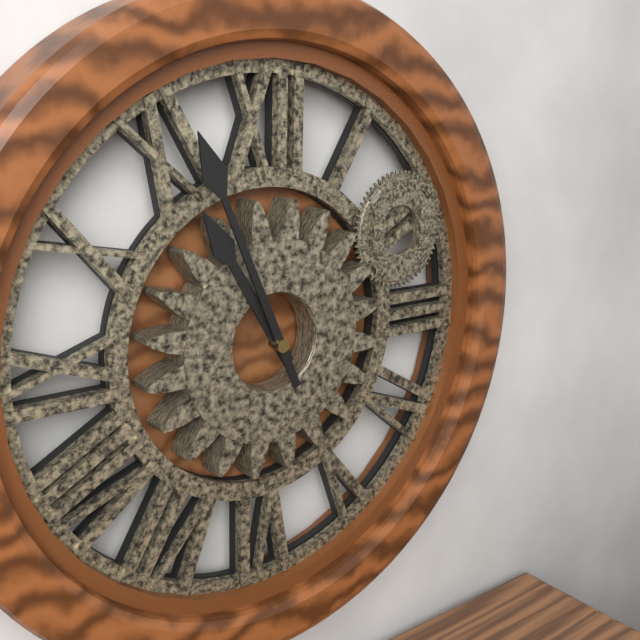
10:56
